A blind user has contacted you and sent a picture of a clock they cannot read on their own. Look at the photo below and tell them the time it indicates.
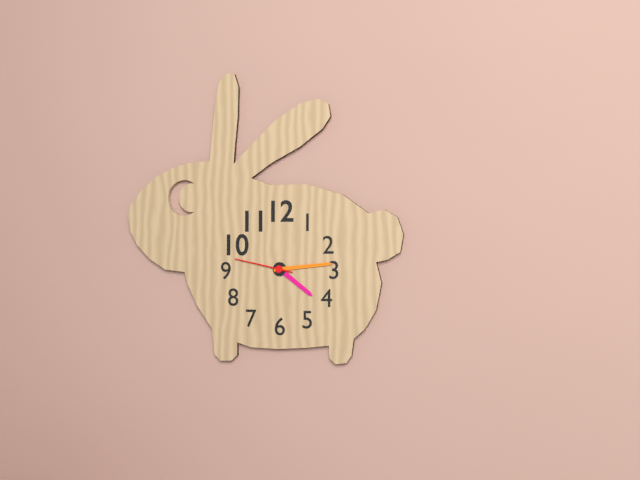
4:14:47
